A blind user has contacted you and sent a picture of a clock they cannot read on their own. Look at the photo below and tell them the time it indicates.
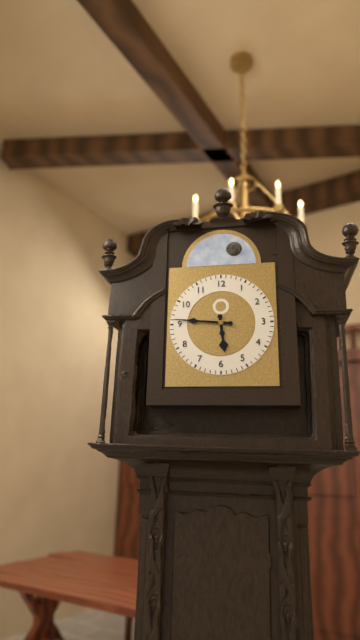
5:46
